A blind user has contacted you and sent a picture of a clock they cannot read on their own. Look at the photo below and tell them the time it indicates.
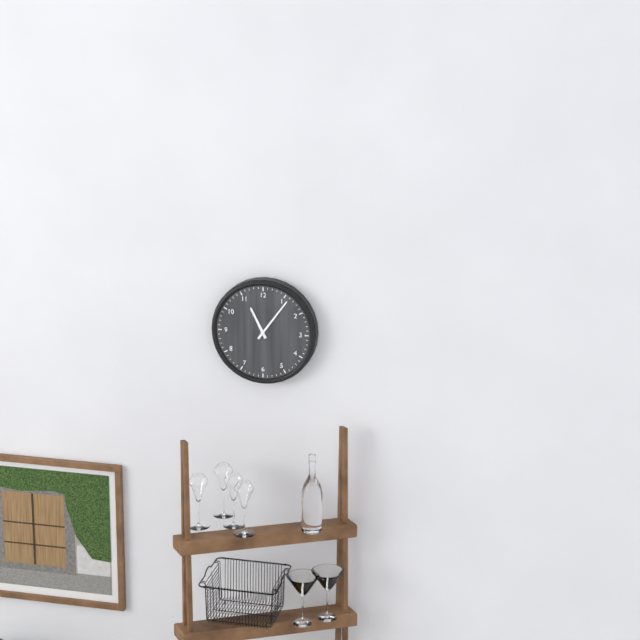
11:06
